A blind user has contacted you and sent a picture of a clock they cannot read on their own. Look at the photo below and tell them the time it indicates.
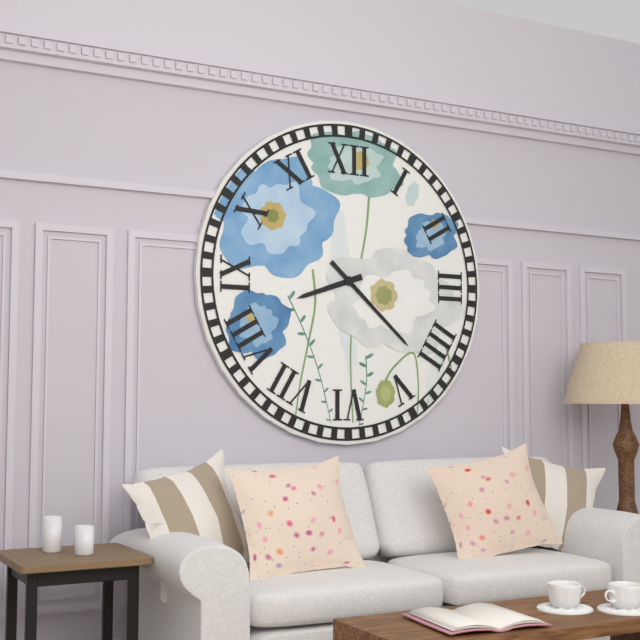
8:22
